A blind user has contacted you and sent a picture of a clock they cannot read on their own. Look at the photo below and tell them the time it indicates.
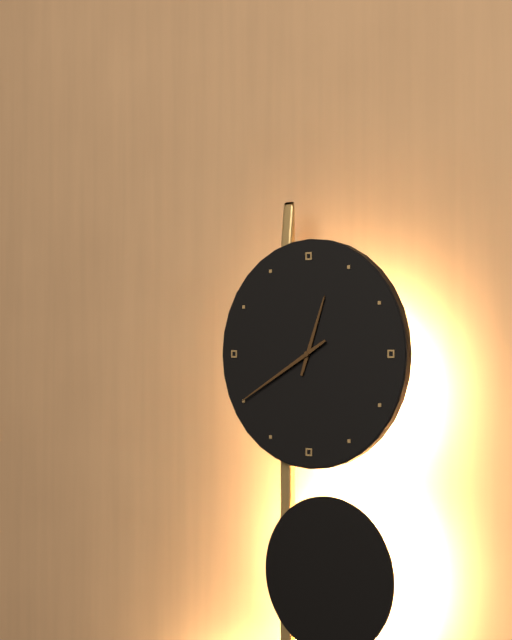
12:40
